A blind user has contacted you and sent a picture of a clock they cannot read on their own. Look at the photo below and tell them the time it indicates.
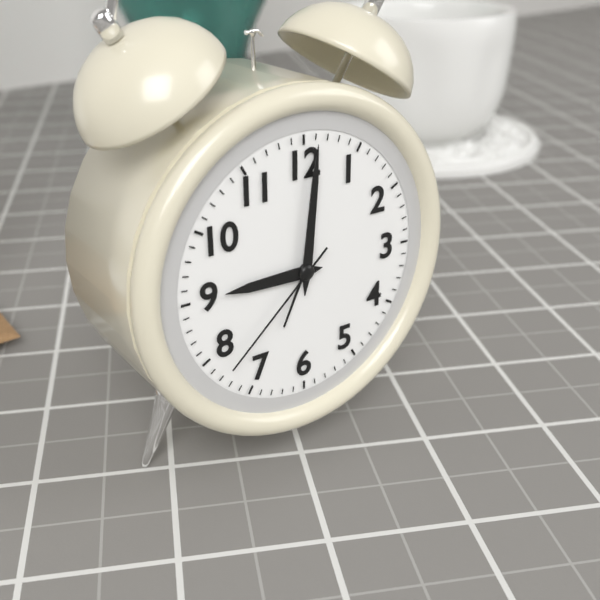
9:01:38
